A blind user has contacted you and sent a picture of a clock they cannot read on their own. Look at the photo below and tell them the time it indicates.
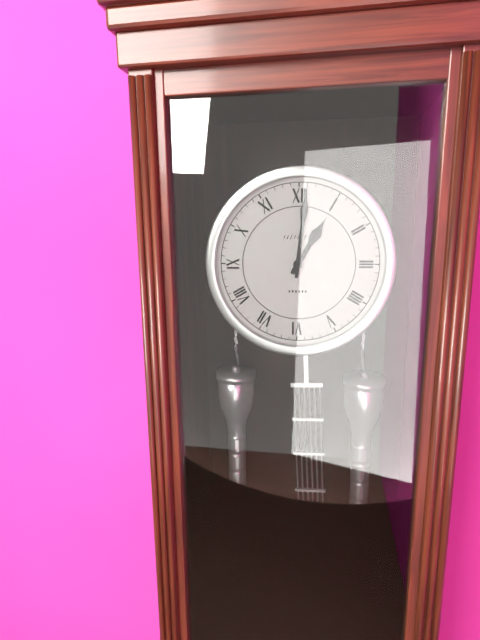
1:01
